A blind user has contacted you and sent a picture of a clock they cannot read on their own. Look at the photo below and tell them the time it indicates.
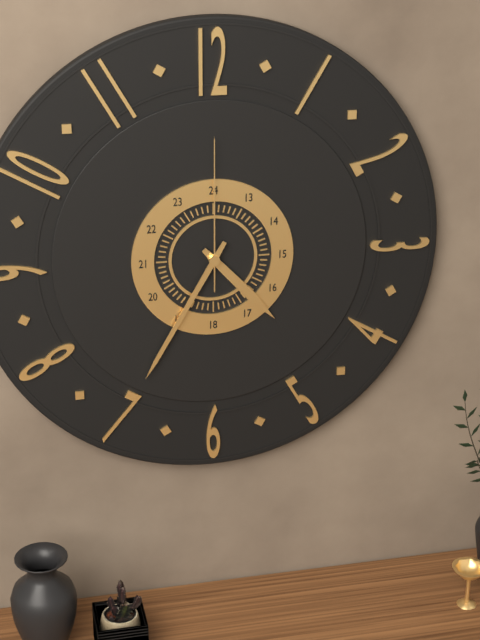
4:35:00
